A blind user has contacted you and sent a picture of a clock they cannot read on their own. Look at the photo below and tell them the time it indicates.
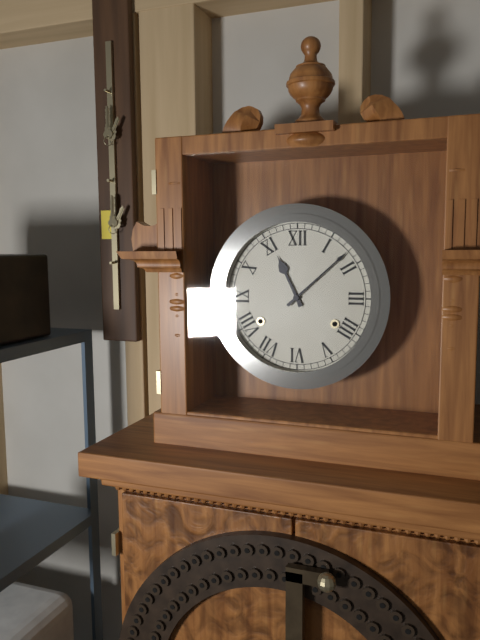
11:08
